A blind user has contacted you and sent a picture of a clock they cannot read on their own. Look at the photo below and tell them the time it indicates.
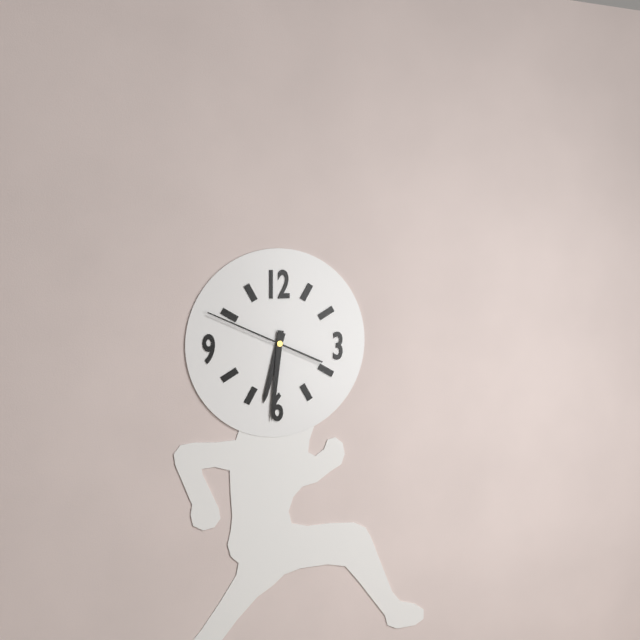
6:31:49
